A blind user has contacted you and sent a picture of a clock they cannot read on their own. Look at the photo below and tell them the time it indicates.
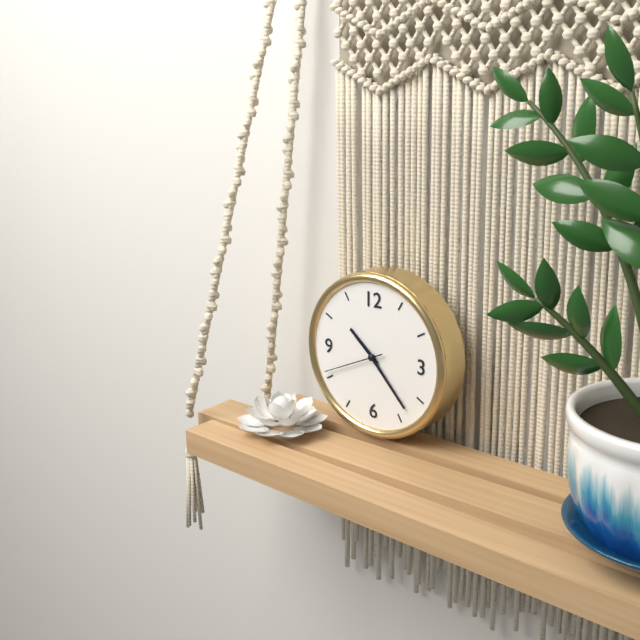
10:23:41
